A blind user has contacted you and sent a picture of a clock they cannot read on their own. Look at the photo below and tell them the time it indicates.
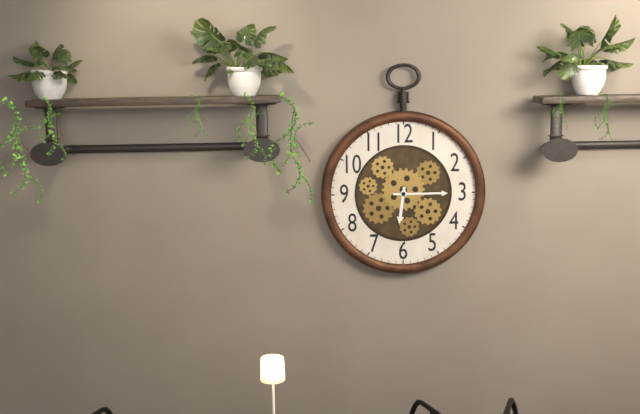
6:15
